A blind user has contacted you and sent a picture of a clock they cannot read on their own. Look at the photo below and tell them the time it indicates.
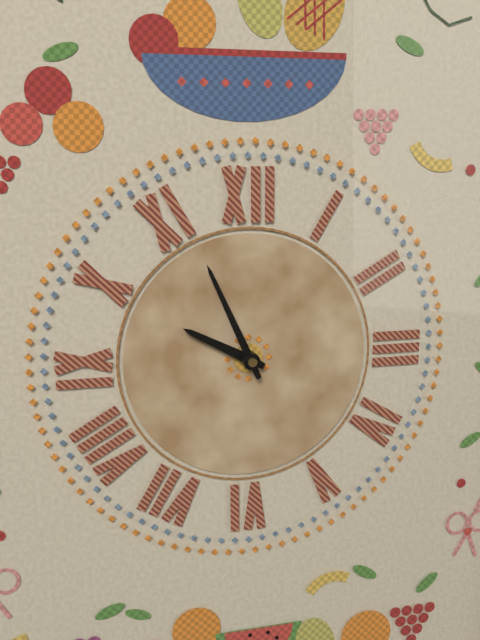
9:56
